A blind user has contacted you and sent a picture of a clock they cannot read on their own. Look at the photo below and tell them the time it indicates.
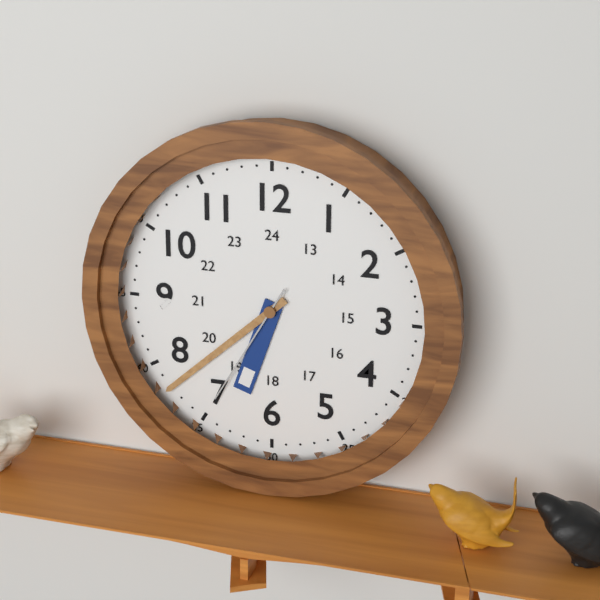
6:38:35
